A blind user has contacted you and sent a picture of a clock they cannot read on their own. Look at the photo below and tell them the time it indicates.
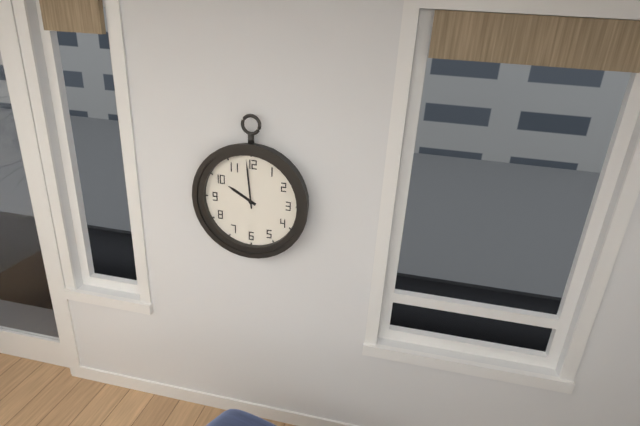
9:59
